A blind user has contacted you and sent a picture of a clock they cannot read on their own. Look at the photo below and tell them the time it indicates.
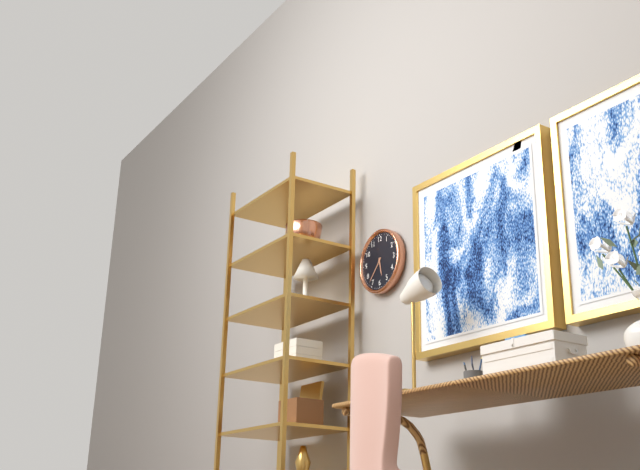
5:37
